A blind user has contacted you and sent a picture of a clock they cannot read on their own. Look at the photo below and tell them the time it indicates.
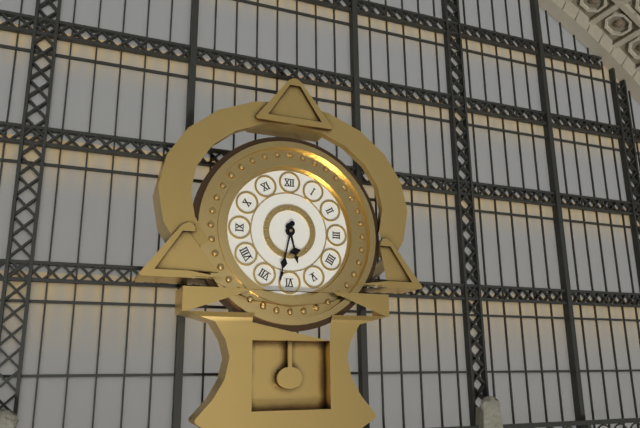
5:32
